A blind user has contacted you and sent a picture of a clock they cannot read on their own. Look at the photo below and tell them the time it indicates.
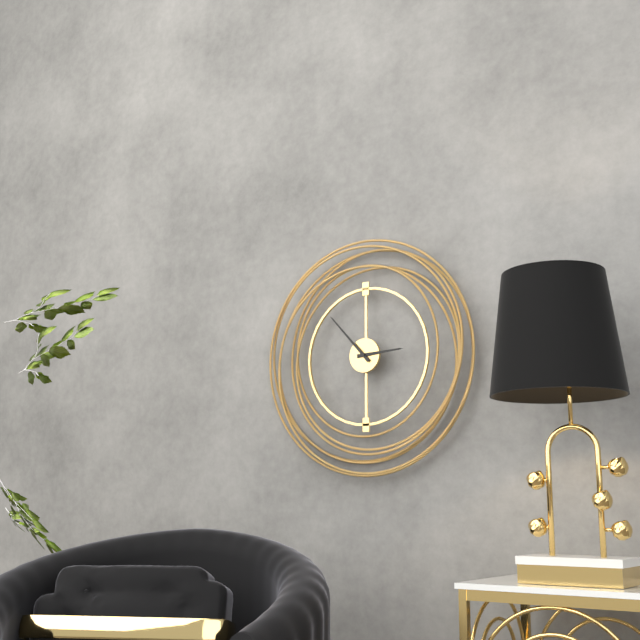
2:53
